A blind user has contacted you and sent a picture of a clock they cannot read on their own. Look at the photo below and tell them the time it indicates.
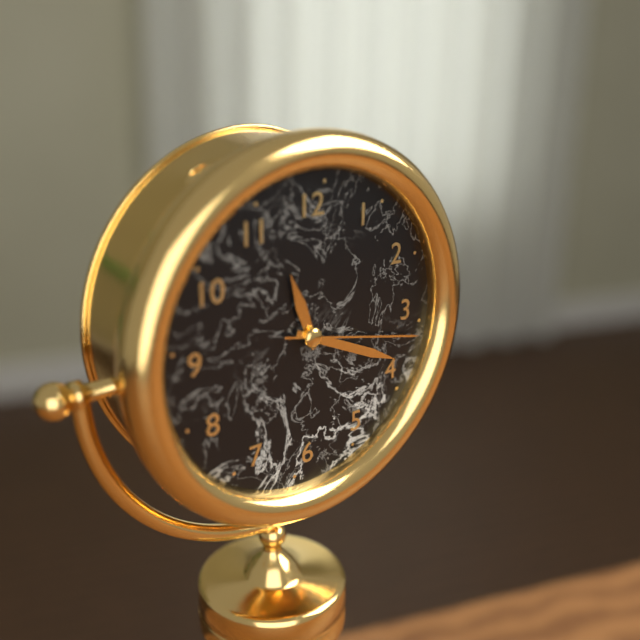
11:19:17
